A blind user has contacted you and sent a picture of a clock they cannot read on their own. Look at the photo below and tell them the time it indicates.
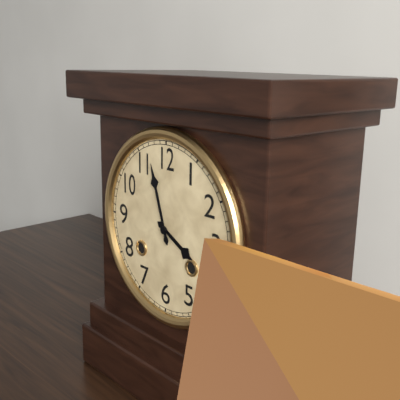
3:57
